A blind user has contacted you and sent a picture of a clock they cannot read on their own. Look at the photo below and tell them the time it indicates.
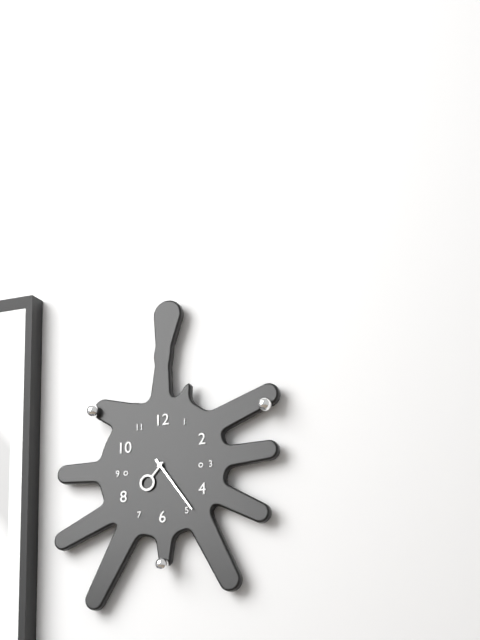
7:24
